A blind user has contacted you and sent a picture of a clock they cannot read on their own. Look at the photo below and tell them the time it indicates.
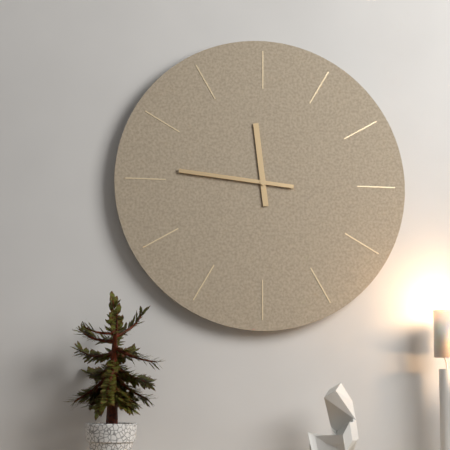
11:46
